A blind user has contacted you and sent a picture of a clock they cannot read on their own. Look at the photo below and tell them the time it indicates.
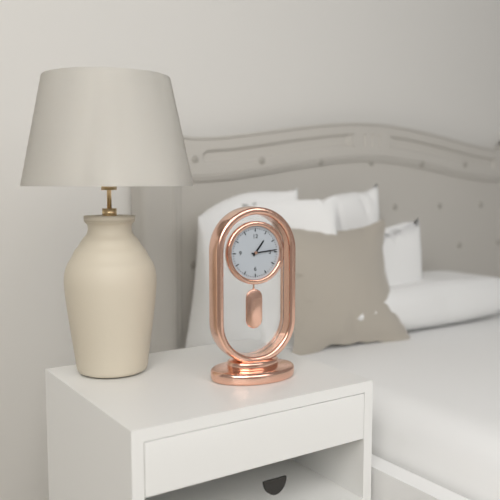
1:14
